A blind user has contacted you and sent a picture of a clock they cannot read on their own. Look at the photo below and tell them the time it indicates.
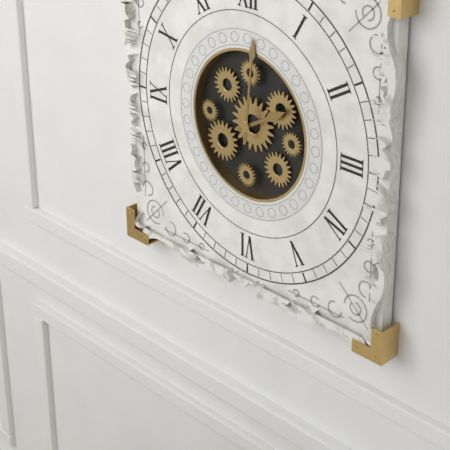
2:01
